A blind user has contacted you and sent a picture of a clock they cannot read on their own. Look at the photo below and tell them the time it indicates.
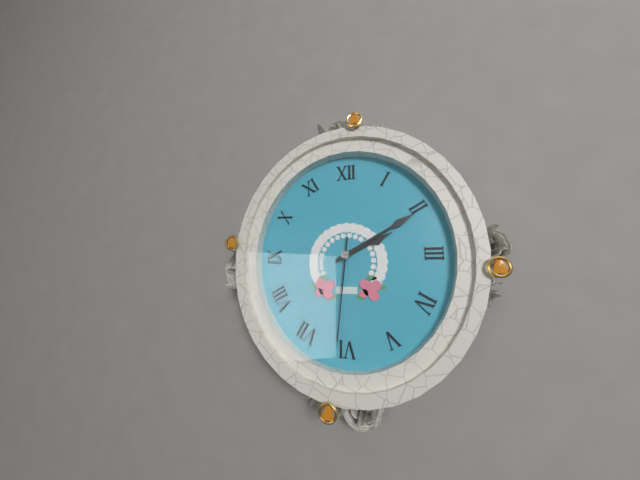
2:10:31
